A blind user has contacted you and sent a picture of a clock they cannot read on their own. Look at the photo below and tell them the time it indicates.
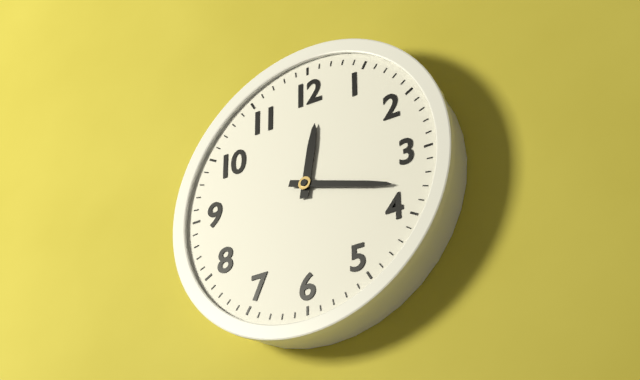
12:18
